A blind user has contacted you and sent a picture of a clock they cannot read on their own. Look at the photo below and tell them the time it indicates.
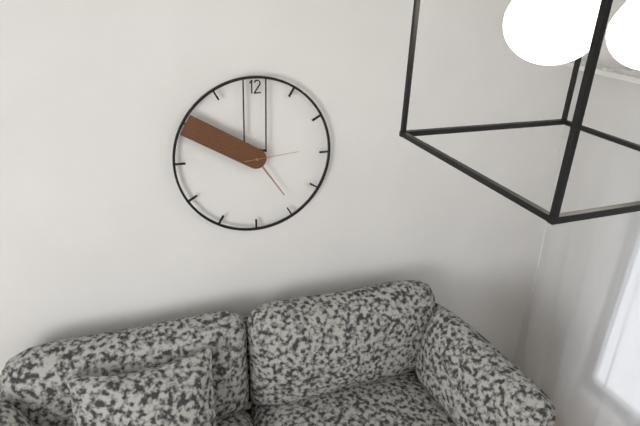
4:50:14
